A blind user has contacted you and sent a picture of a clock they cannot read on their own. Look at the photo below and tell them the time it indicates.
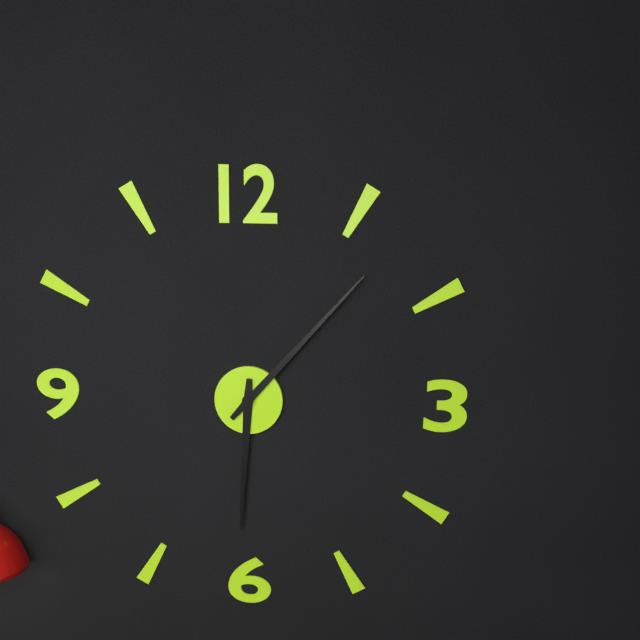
6:07
